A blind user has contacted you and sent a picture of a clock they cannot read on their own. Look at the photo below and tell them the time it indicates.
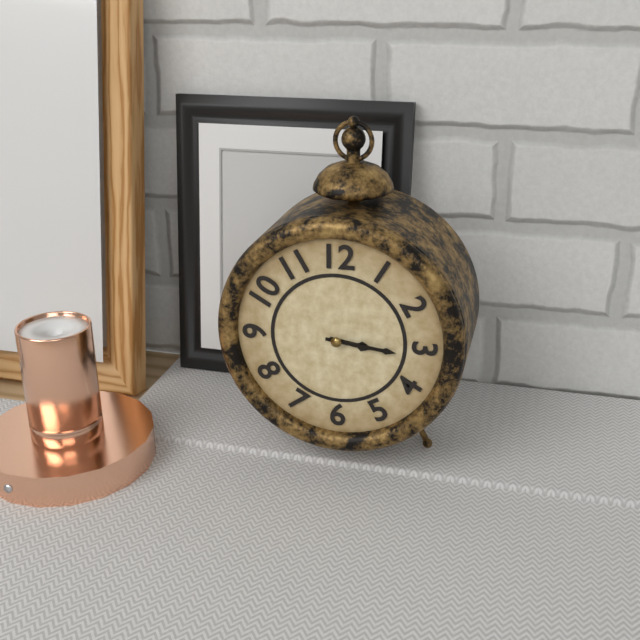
3:16
